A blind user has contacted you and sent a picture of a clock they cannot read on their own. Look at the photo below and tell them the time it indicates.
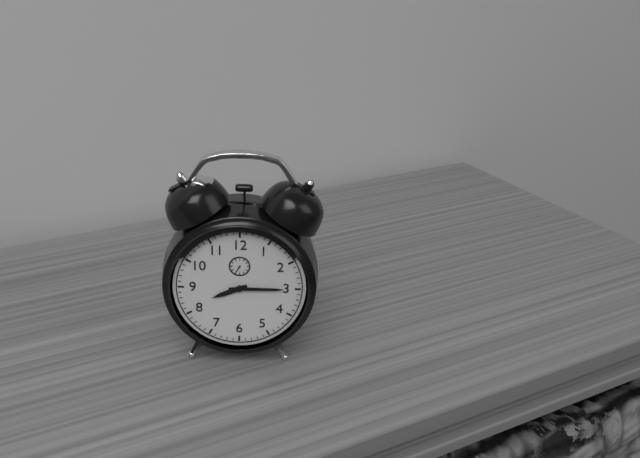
8:15
